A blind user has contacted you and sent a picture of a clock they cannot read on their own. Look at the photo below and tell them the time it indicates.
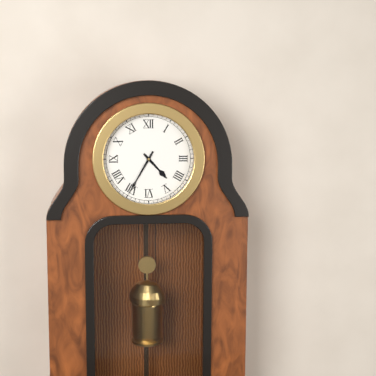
4:35
